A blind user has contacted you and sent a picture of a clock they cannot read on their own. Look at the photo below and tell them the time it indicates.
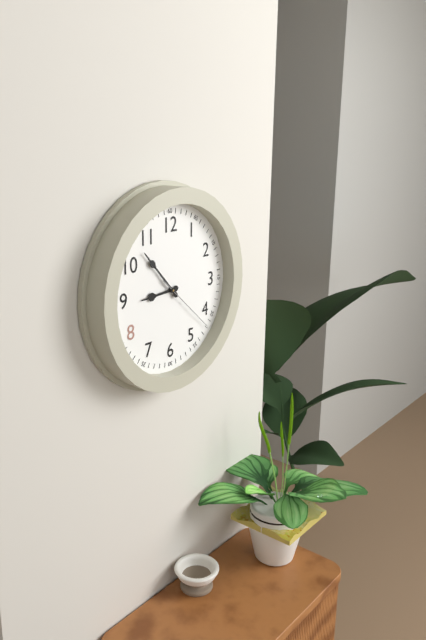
8:53:22
